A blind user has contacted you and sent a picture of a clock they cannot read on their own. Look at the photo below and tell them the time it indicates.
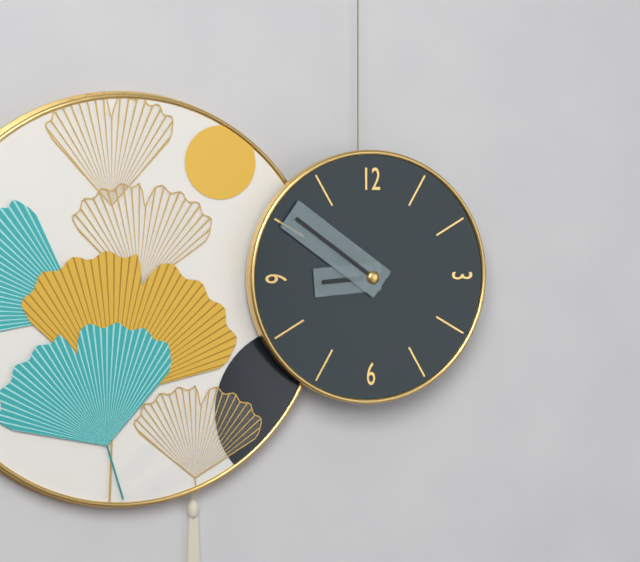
8:51
